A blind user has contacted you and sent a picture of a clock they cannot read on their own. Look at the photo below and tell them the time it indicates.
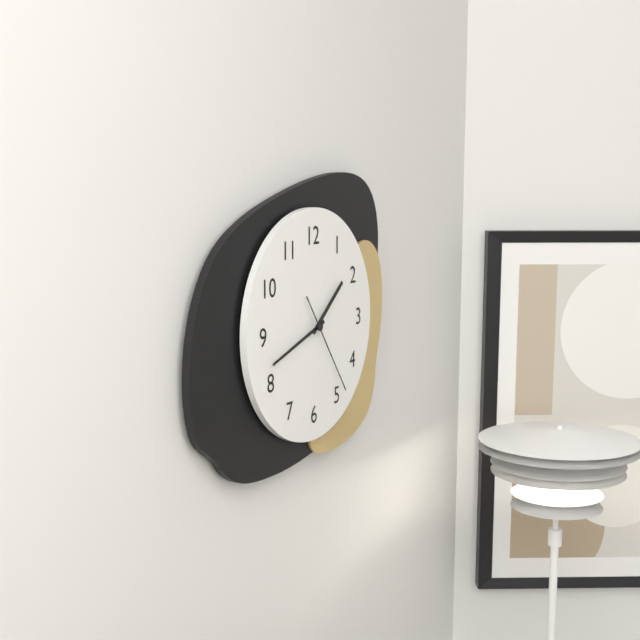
1:42:24
